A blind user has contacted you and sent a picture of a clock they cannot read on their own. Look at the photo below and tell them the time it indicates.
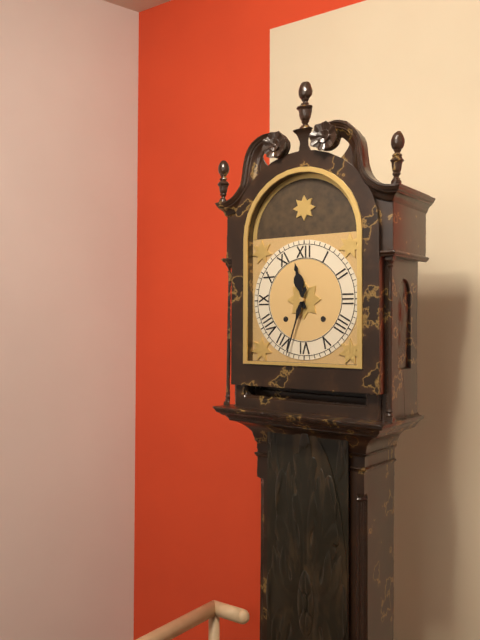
11:33
